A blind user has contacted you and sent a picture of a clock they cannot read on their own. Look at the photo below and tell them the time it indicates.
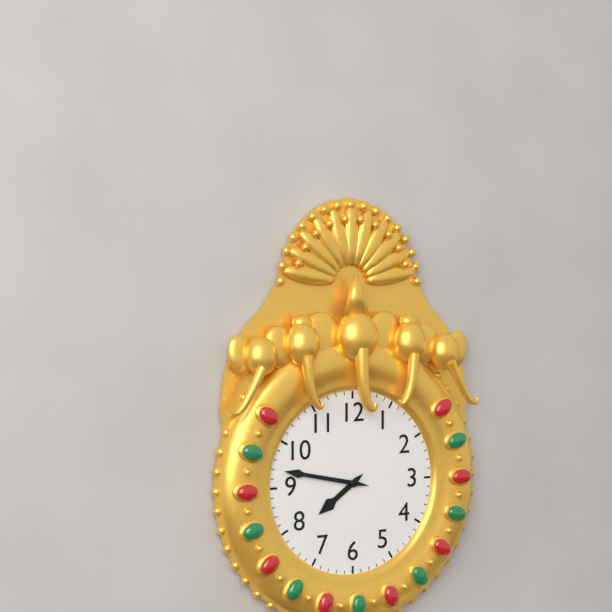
7:47
